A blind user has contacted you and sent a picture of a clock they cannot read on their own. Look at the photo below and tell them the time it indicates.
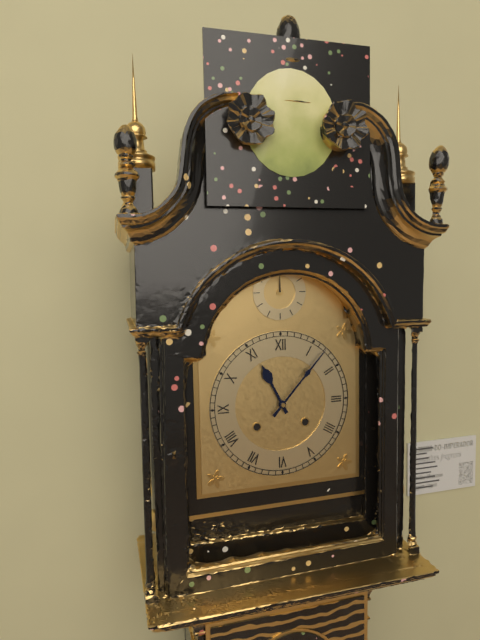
11:07
